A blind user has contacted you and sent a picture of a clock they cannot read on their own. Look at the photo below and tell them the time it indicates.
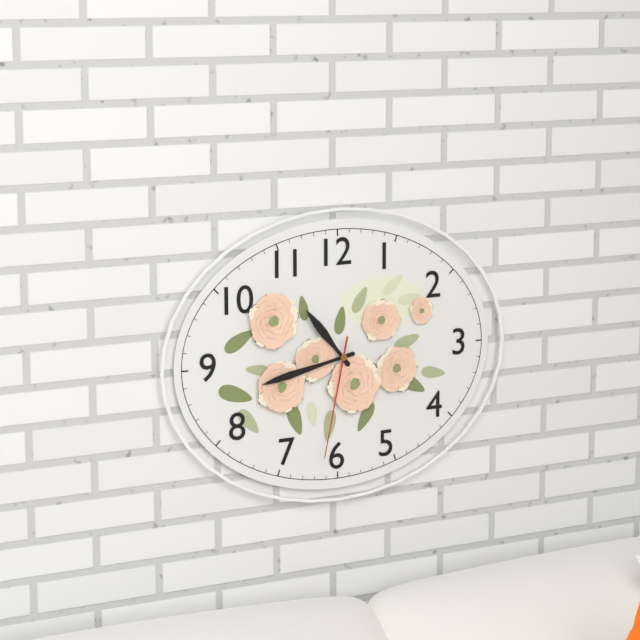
10:43:32
